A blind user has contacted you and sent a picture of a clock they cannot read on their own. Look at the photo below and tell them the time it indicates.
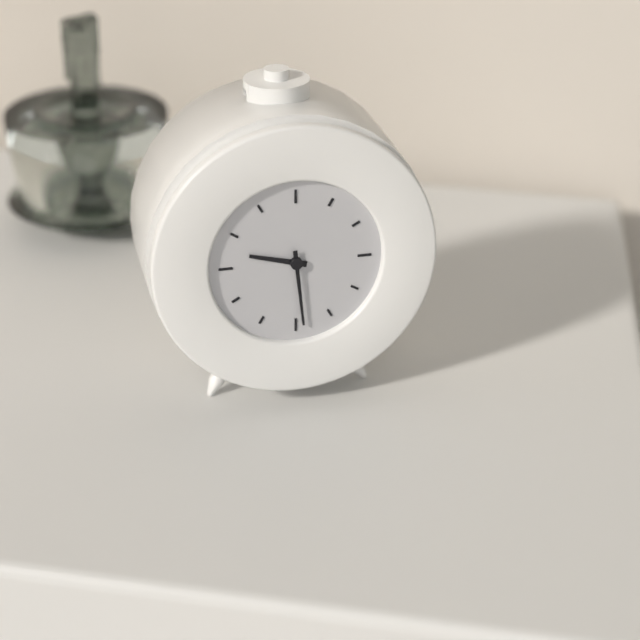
9:29
